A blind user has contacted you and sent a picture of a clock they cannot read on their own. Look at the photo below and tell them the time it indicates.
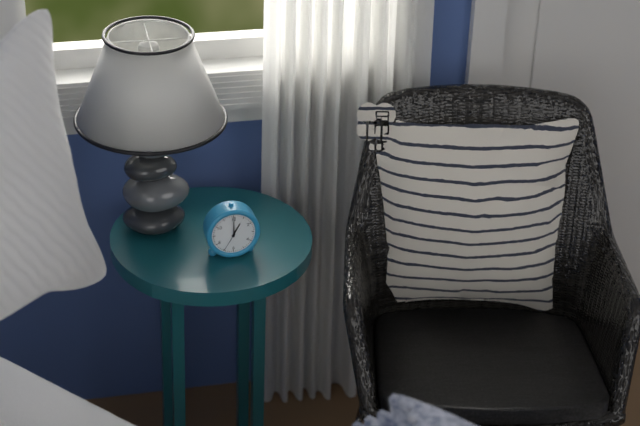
1:00
